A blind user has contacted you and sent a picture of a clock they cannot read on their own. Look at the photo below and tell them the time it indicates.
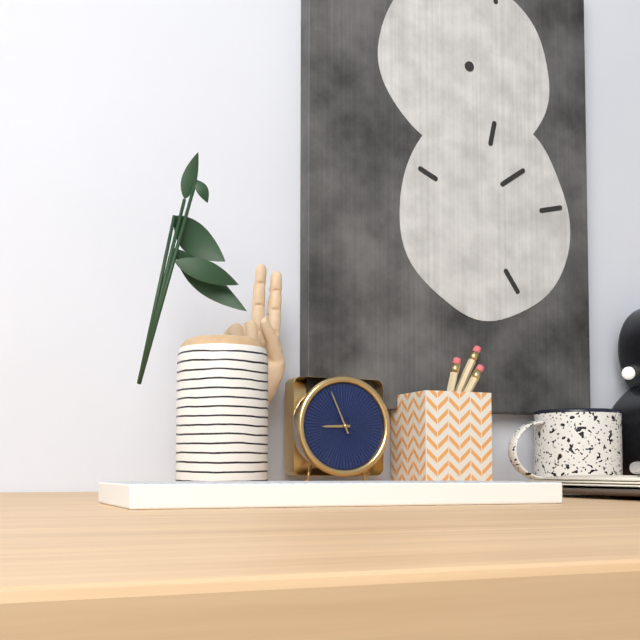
8:56
